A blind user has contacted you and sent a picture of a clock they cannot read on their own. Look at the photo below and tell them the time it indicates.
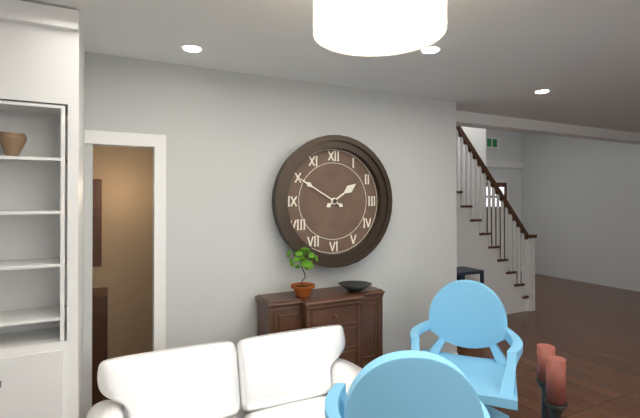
1:50
